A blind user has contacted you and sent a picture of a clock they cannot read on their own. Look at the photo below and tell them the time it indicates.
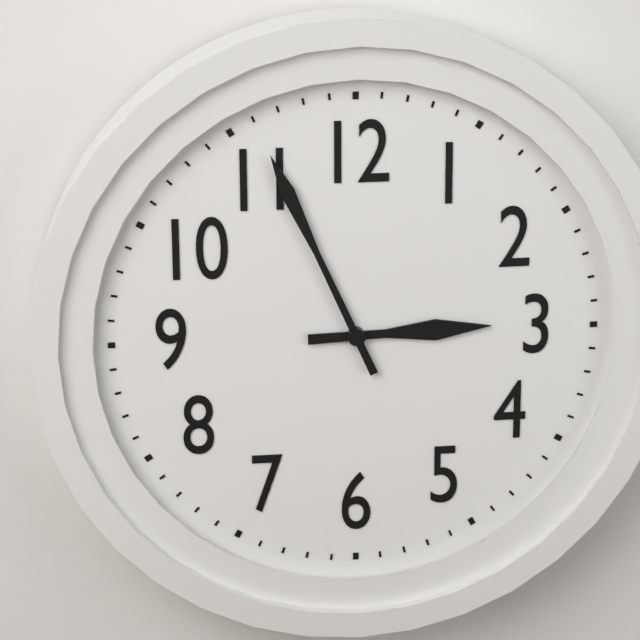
2:56
